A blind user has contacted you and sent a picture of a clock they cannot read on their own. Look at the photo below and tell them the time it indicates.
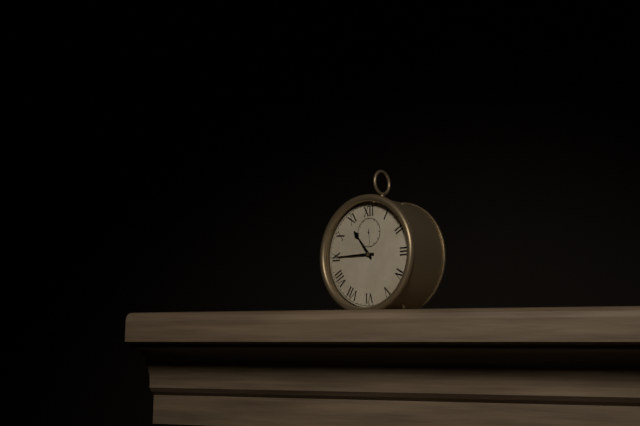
10:45
